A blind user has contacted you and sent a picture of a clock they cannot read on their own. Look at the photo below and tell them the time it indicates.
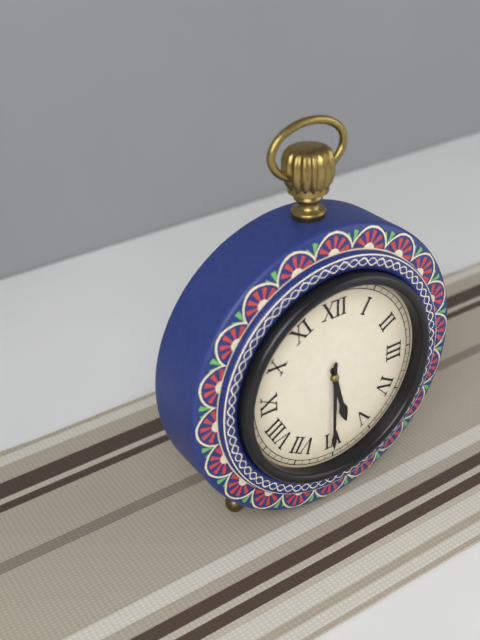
5:30
